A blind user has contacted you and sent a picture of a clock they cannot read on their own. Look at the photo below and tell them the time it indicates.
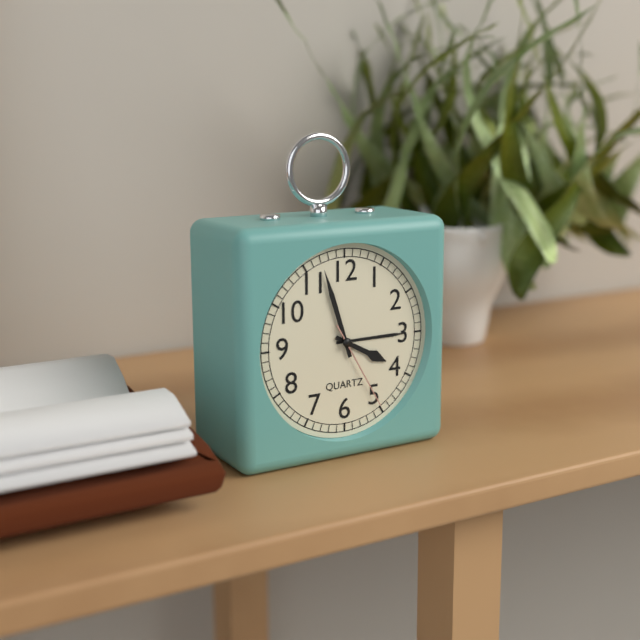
3:57:25
